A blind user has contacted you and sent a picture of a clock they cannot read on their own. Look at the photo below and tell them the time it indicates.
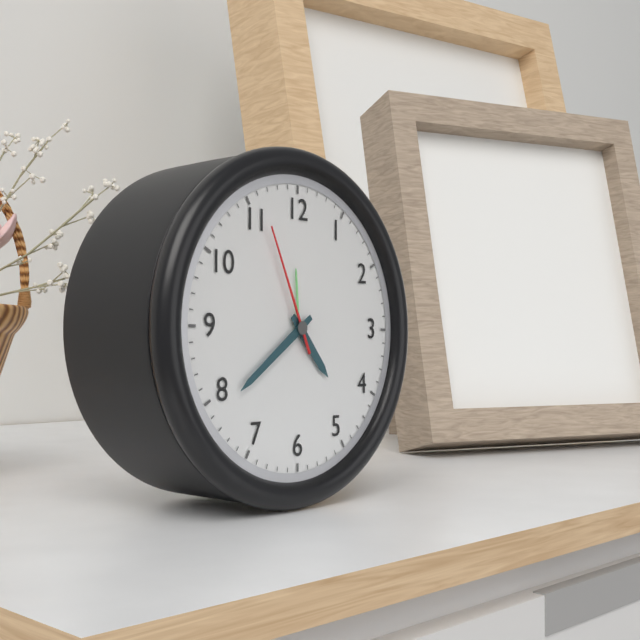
4:39:56
